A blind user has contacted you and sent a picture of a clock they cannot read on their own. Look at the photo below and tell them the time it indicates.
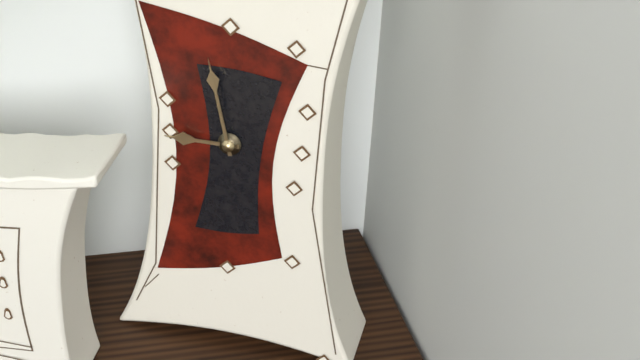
8:58
